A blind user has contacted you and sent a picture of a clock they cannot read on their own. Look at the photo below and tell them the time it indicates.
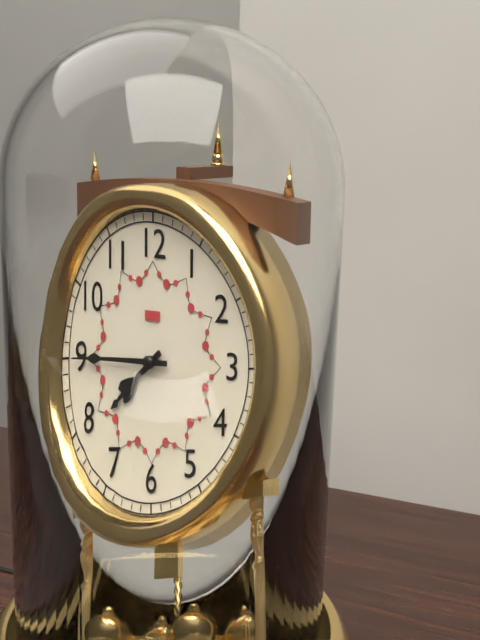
7:45
